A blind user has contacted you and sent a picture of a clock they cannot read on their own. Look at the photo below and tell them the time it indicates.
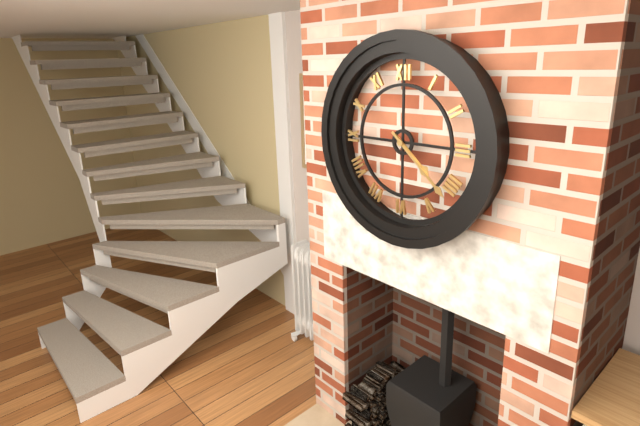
4:22
